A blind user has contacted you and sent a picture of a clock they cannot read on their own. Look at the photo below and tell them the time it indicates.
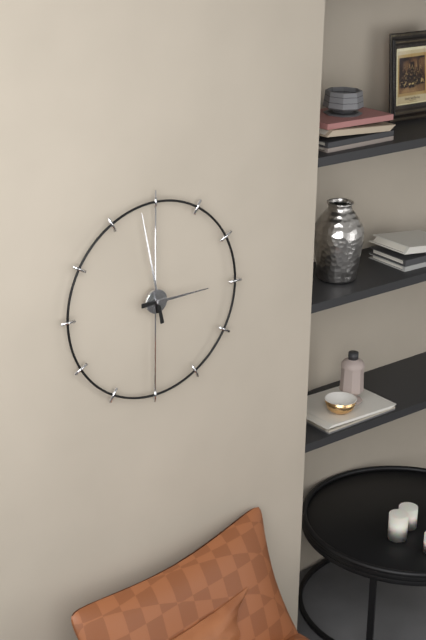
2:58
